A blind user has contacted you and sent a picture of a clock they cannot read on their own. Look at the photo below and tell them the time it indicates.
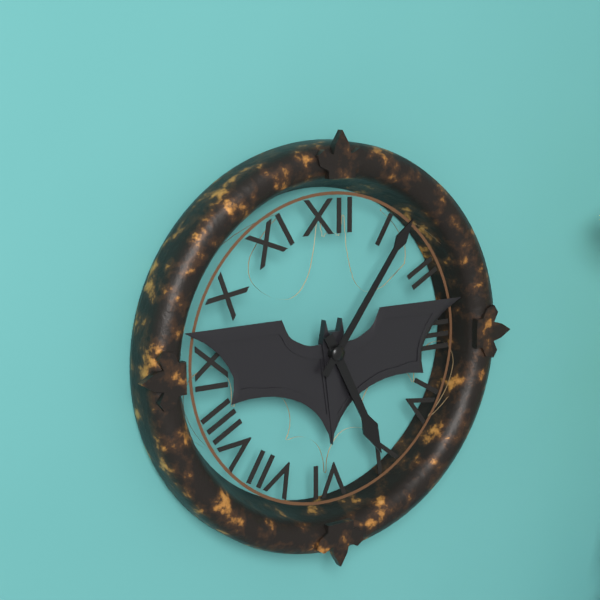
5:06
